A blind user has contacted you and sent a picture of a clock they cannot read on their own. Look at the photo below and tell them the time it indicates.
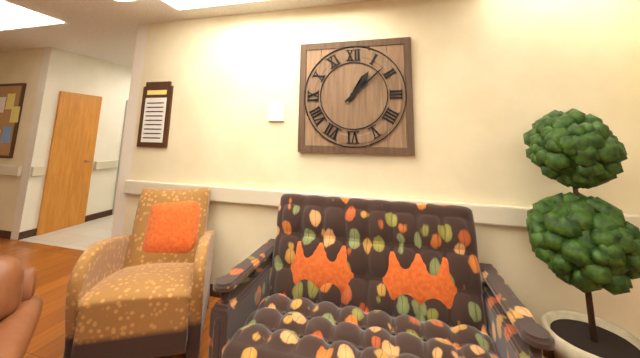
1:08
